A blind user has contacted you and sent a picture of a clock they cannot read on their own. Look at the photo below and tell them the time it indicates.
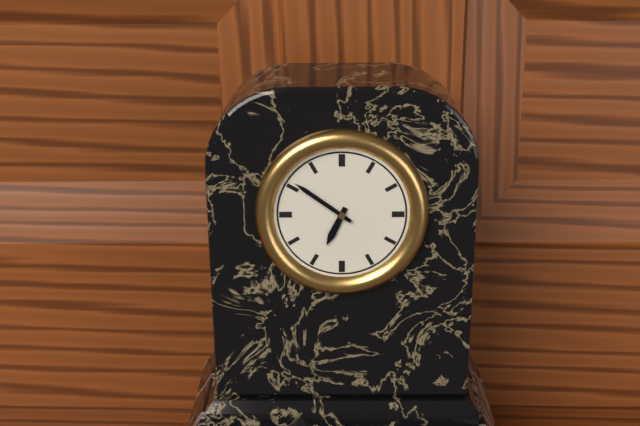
6:51
